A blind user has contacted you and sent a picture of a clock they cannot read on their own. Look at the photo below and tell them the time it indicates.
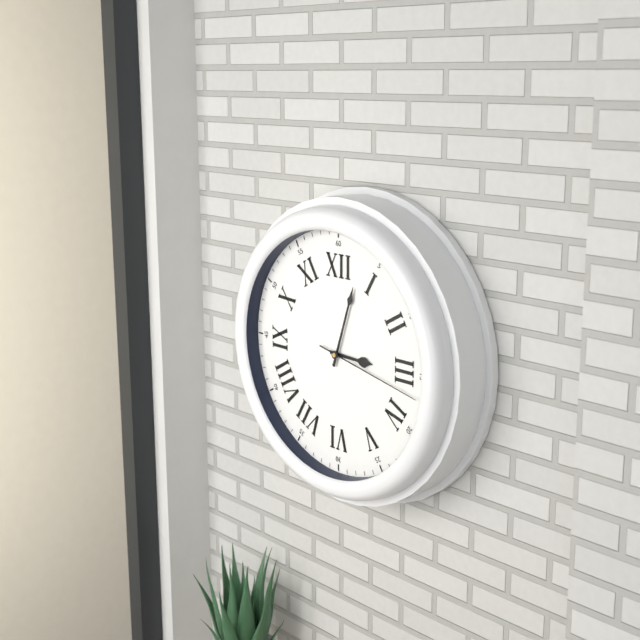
3:03:17
